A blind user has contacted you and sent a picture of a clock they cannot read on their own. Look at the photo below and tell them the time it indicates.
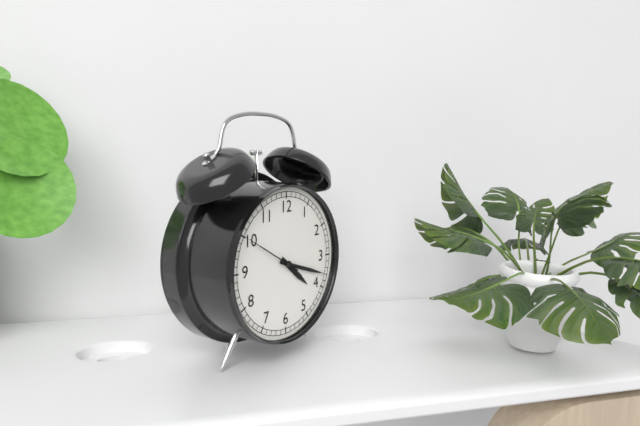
4:18:50
